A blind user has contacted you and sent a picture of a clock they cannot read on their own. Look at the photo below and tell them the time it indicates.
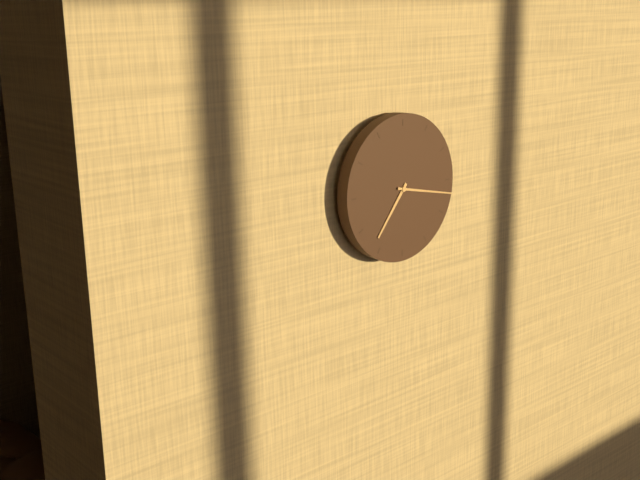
7:17
